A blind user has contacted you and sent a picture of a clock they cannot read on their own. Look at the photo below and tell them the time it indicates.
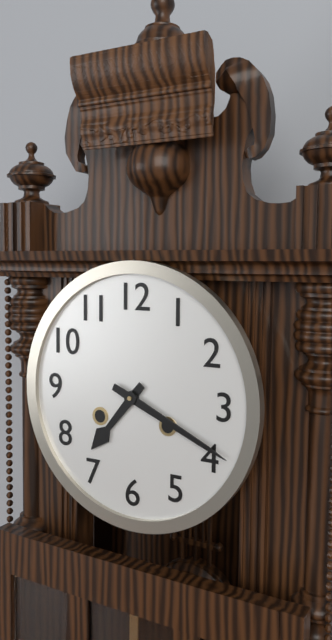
7:19
